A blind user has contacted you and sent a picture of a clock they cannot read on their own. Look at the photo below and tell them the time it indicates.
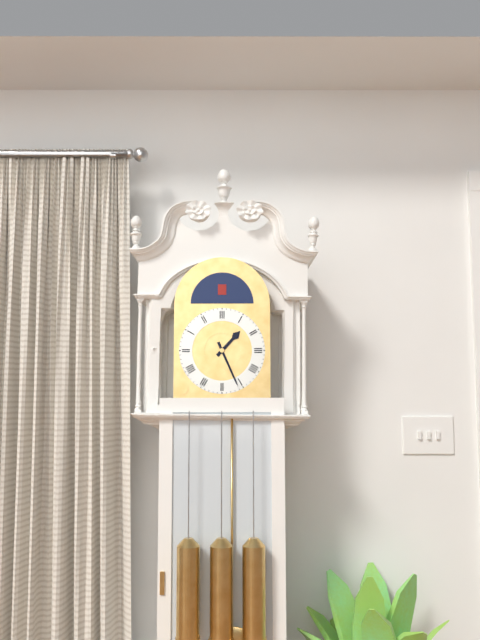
1:26
